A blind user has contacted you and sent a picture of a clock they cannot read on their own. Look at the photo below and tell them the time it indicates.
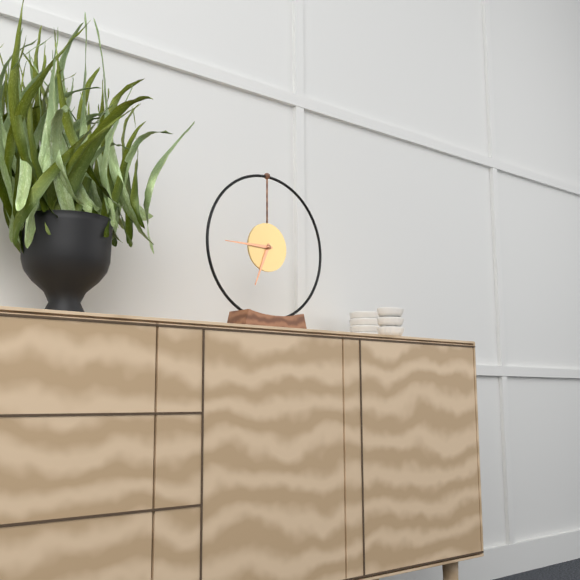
6:45
